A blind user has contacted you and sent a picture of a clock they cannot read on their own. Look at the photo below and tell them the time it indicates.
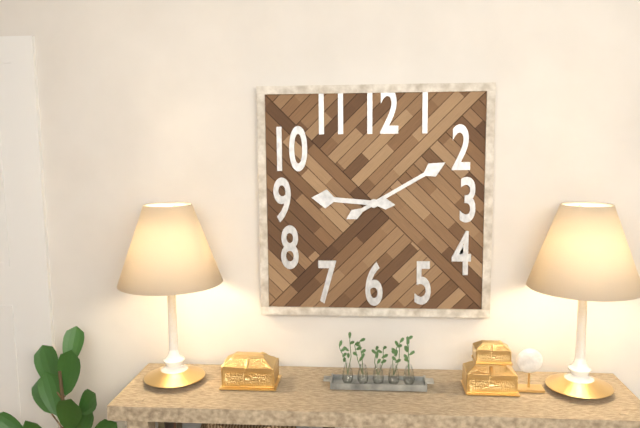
9:10
